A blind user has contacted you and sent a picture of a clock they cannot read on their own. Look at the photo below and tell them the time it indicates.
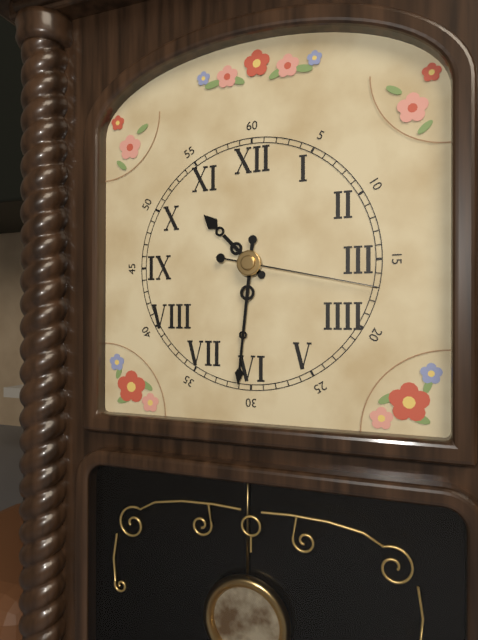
10:31:17
